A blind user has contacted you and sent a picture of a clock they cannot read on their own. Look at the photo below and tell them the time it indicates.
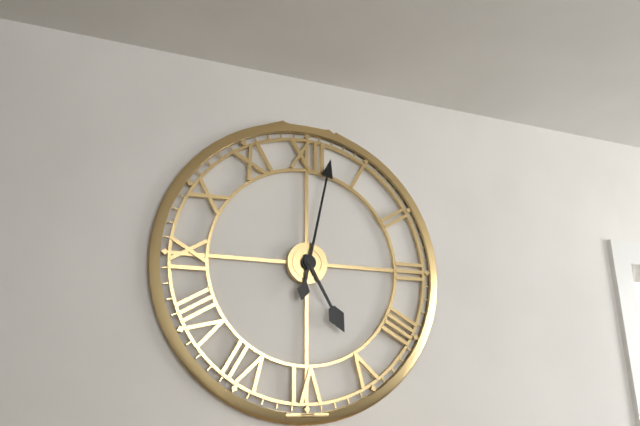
5:02
